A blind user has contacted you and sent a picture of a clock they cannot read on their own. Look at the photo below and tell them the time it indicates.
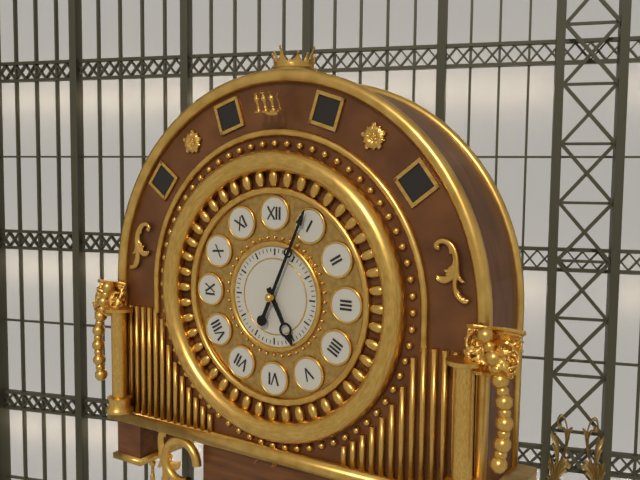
5:04
